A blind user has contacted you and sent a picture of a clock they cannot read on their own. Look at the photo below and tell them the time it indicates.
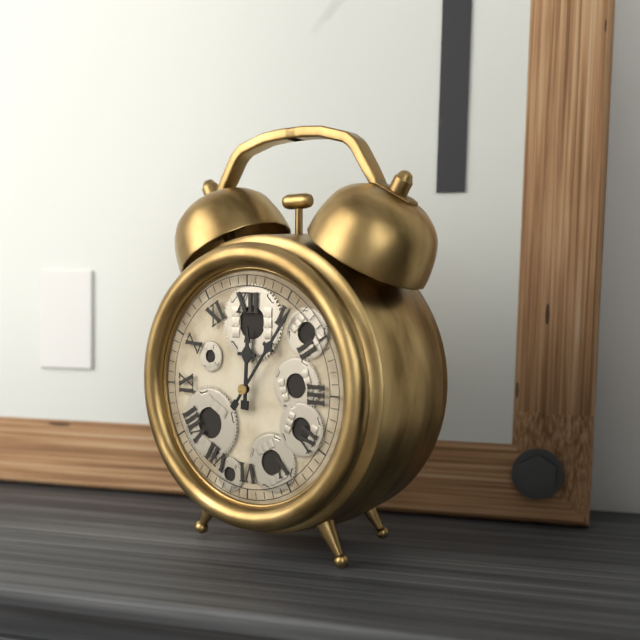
12:06
